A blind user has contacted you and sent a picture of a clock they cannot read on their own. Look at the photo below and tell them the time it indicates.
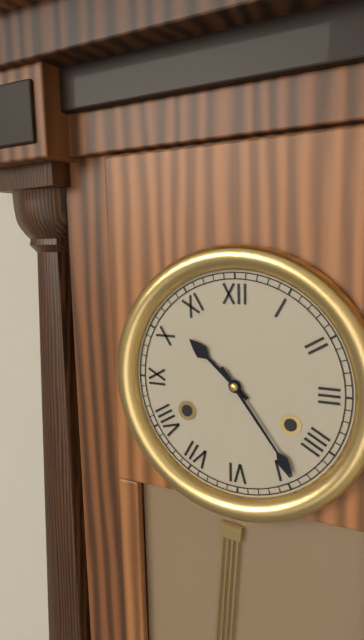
10:24
